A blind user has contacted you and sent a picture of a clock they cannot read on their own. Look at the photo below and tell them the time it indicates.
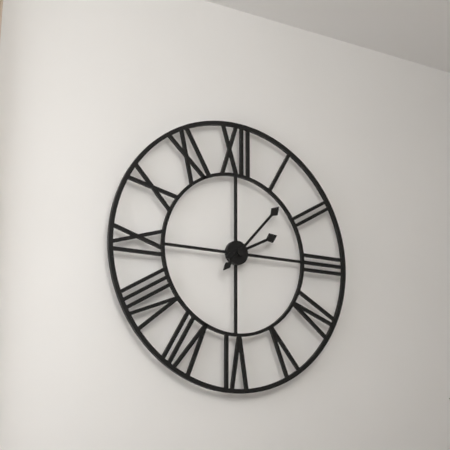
2:07
